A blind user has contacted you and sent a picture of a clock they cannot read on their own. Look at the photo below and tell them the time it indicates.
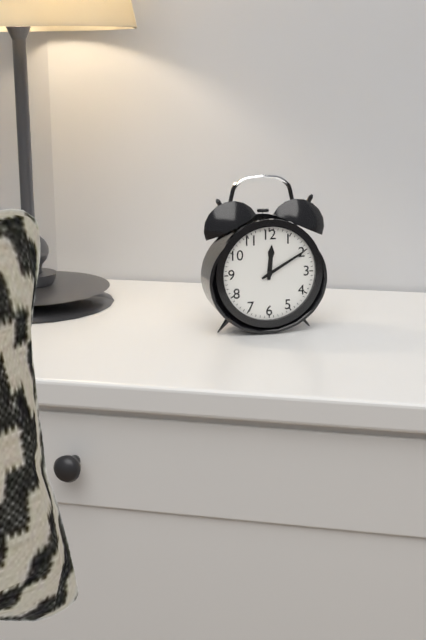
12:10
